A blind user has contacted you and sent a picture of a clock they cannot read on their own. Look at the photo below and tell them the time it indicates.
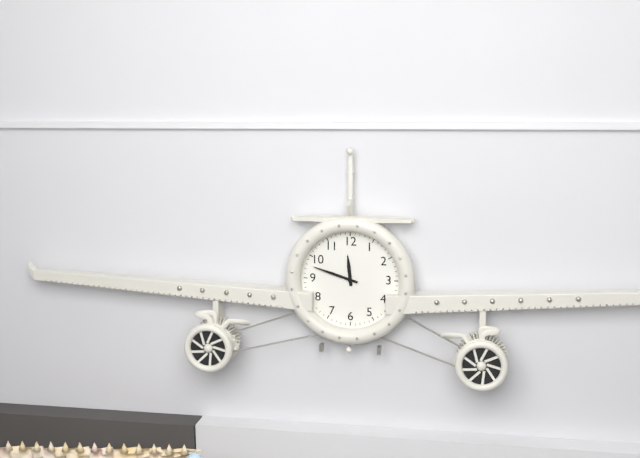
11:48
